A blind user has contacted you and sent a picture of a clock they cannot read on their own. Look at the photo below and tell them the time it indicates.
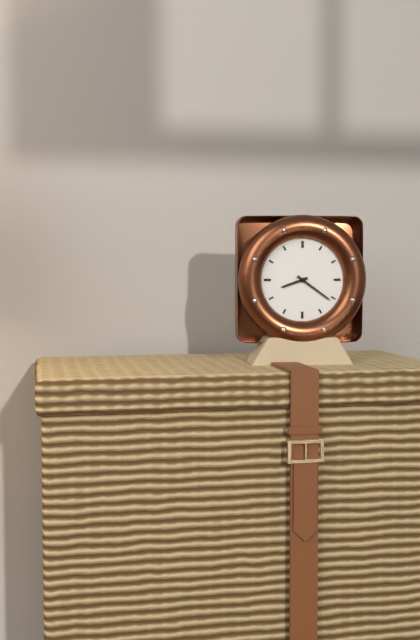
8:21
